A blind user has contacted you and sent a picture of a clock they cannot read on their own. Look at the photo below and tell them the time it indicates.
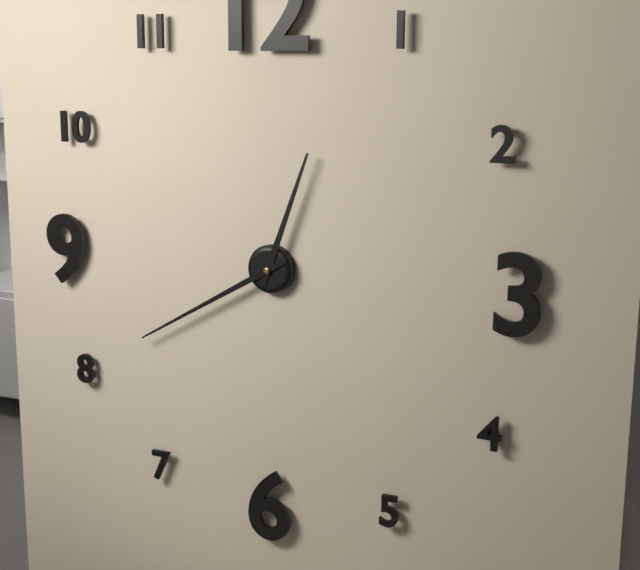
12:40
